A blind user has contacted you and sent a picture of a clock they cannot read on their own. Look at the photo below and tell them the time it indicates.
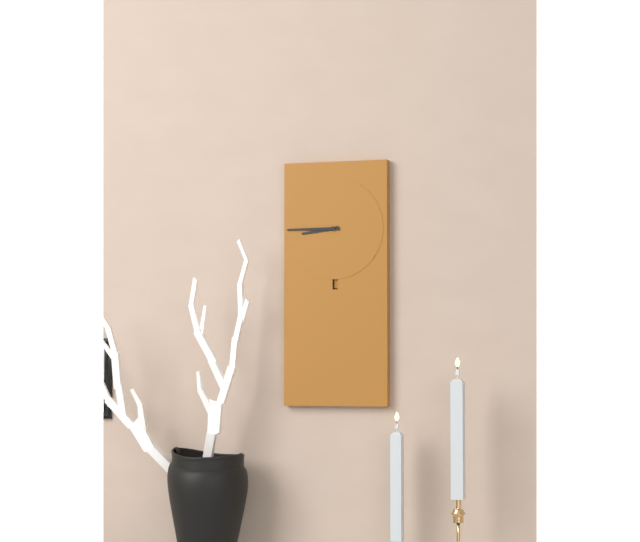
8:45
